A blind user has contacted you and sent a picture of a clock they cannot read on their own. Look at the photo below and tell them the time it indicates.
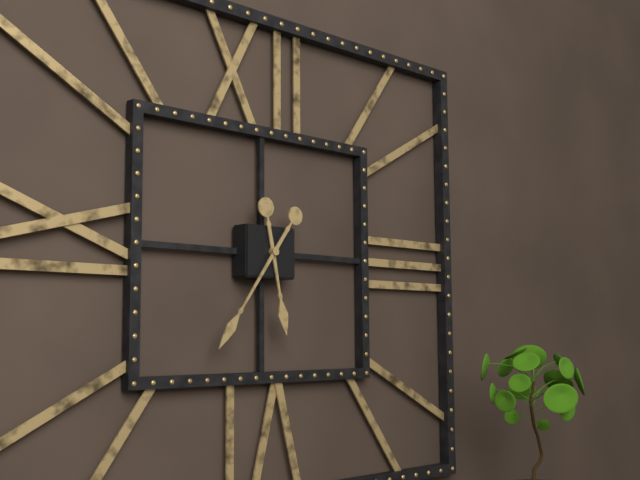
5:36
